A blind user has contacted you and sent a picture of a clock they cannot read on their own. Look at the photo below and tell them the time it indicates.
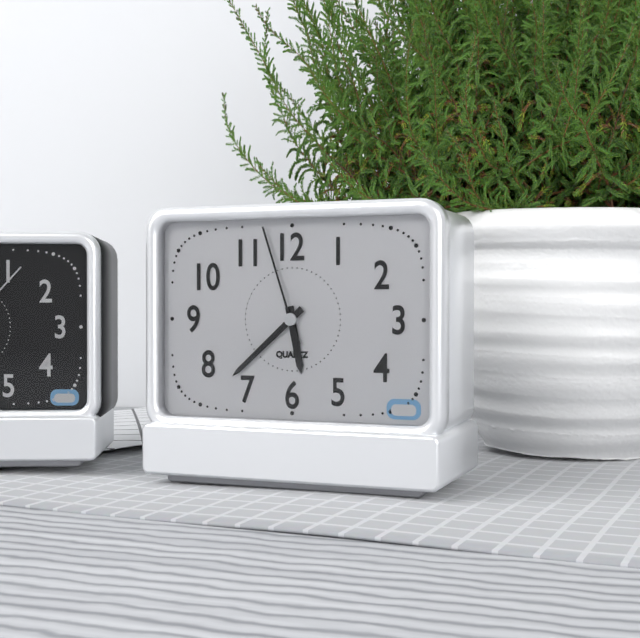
5:38:57
